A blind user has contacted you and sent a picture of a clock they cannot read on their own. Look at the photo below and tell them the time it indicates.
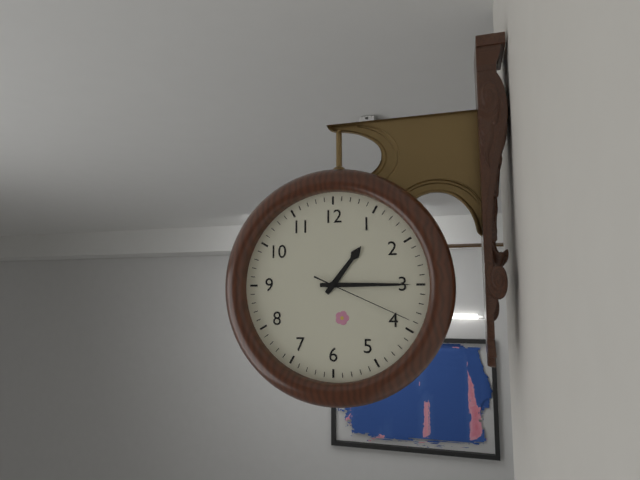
1:15:19
